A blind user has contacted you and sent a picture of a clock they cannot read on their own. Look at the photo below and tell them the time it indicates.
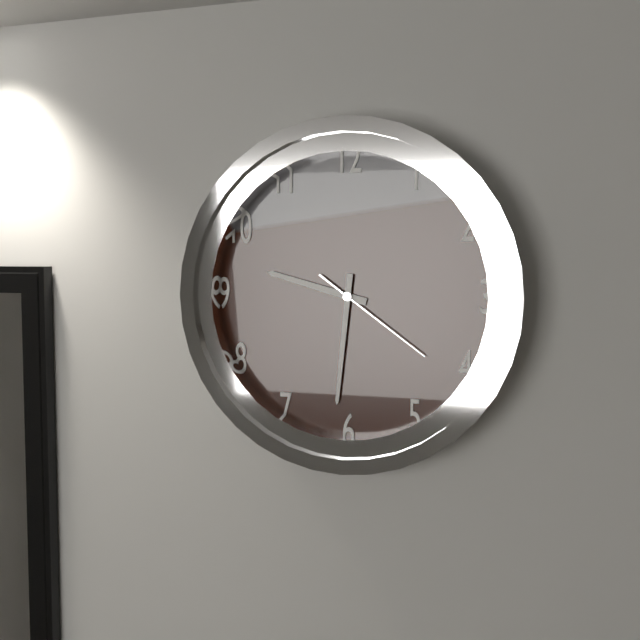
9:31:21
